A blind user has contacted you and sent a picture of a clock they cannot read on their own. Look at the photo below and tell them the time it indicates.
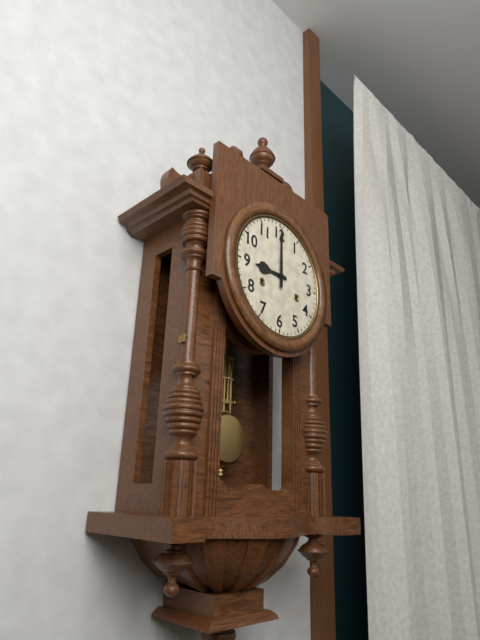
9:00
